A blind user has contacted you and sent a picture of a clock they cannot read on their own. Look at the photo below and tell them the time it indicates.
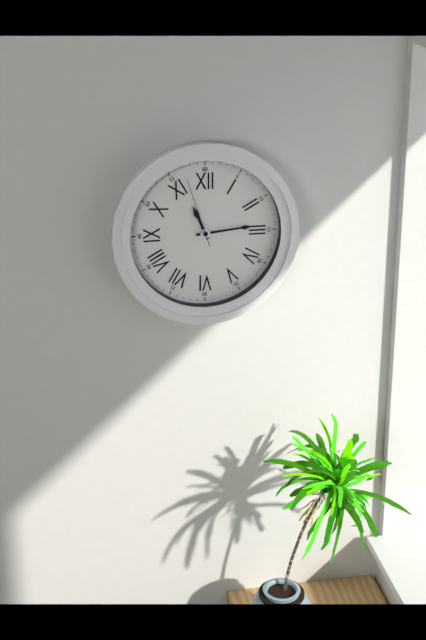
11:14:57
